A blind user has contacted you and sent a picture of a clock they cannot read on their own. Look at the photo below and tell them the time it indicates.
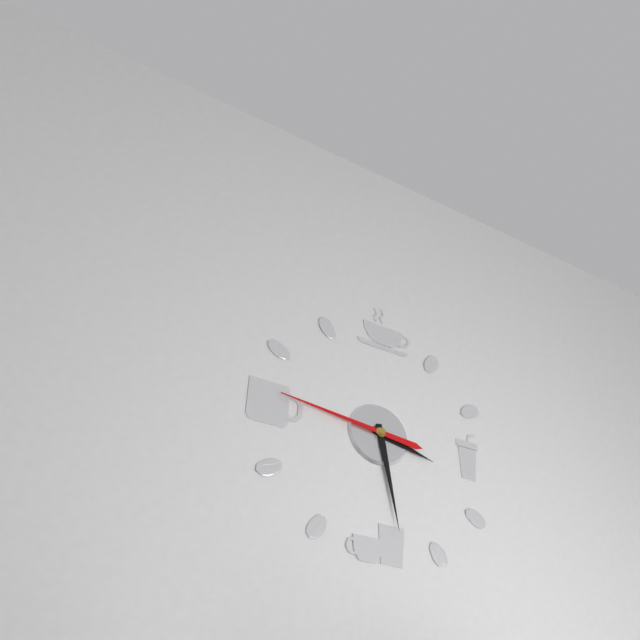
3:28:46
